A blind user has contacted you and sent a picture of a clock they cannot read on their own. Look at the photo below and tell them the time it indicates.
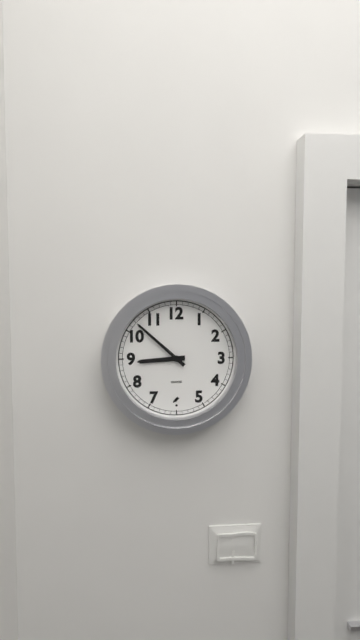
8:52
